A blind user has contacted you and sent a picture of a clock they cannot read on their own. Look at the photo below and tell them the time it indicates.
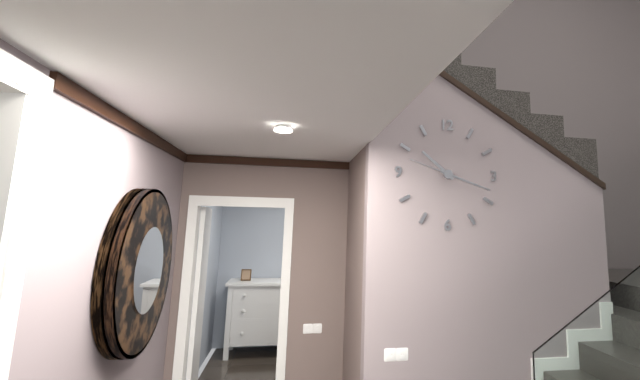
10:18:48
